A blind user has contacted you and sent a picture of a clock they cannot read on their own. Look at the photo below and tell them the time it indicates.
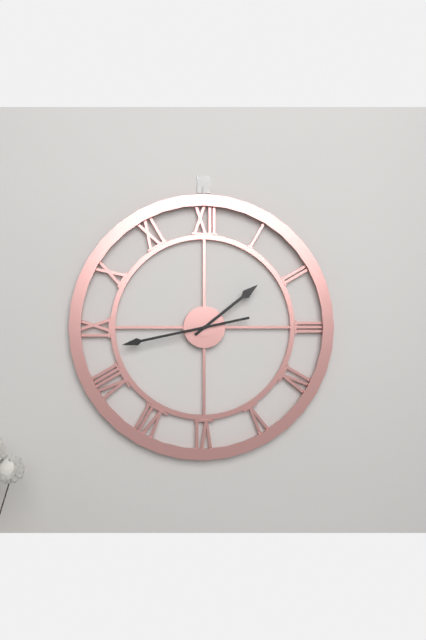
1:43
